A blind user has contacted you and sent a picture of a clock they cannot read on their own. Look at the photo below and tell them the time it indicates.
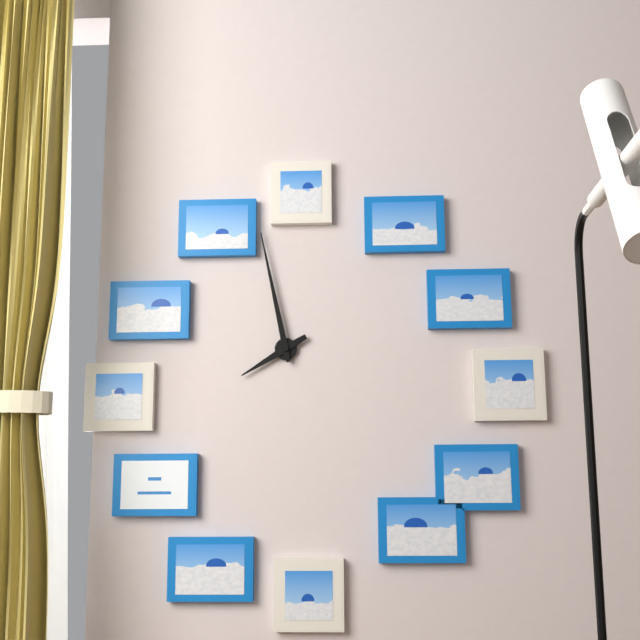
7:58
